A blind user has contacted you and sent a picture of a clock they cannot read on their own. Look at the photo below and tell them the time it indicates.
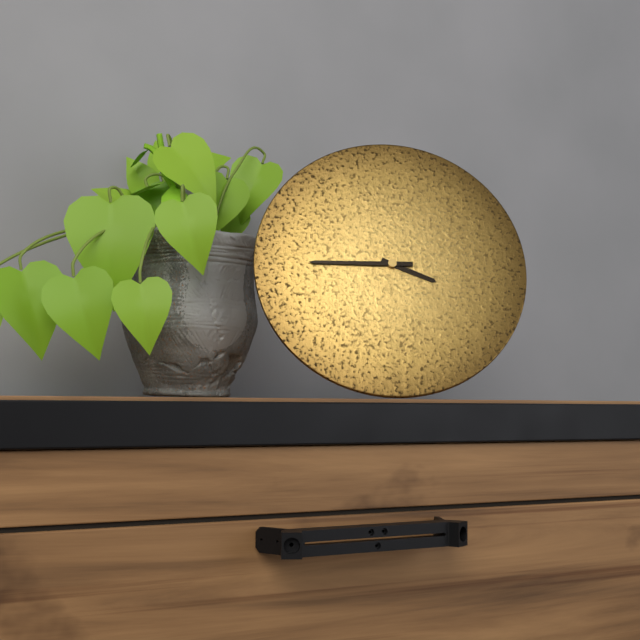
3:45
